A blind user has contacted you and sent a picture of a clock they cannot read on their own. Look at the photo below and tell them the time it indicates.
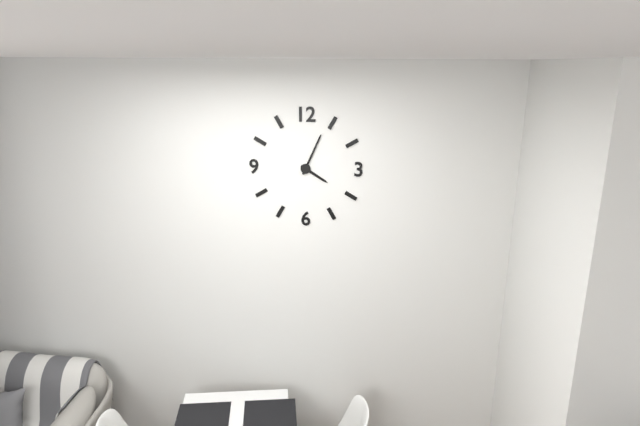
4:04
